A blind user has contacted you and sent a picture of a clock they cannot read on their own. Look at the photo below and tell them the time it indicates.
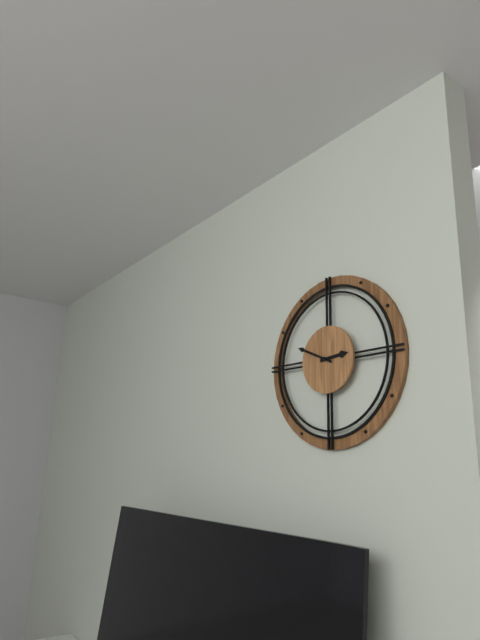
2:49
